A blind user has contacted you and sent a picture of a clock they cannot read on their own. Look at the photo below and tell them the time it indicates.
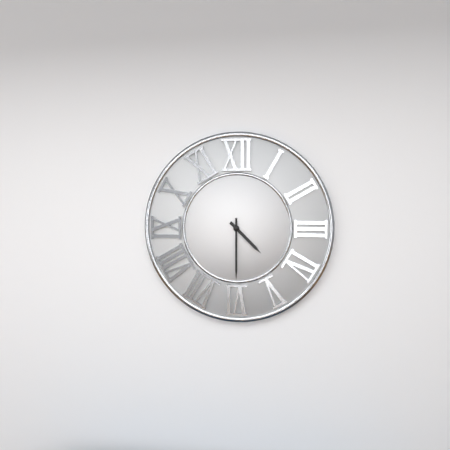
4:30
